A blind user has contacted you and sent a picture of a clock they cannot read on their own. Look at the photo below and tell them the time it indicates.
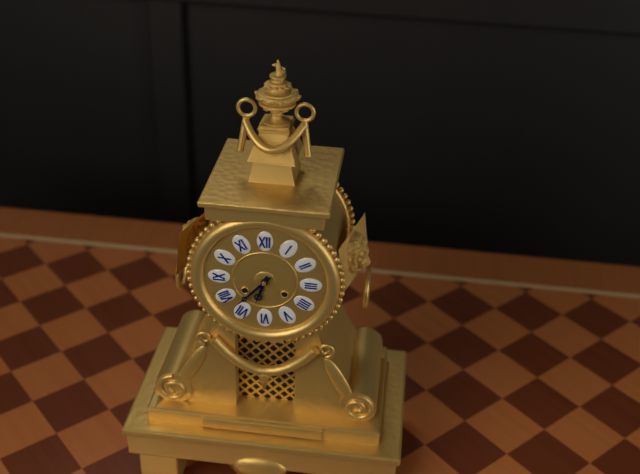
6:37
